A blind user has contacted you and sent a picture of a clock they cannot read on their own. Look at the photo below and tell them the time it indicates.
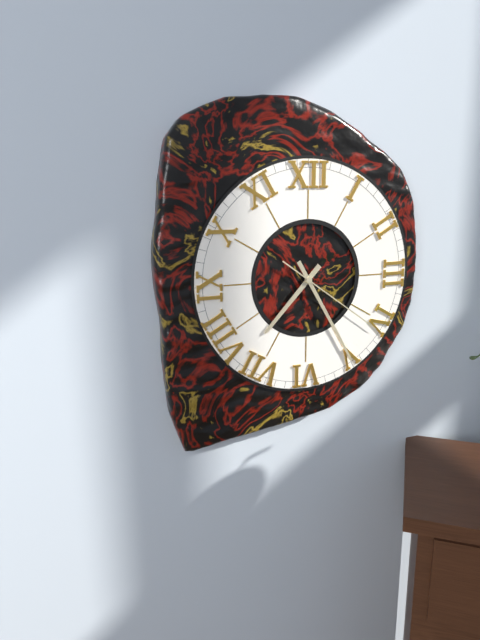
7:25:21
